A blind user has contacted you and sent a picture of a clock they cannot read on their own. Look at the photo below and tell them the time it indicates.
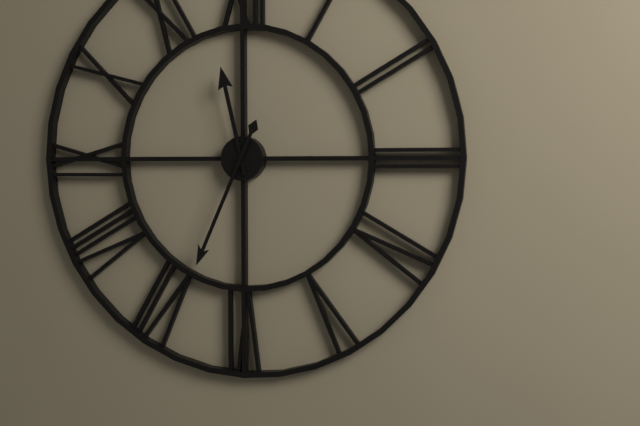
11:34
